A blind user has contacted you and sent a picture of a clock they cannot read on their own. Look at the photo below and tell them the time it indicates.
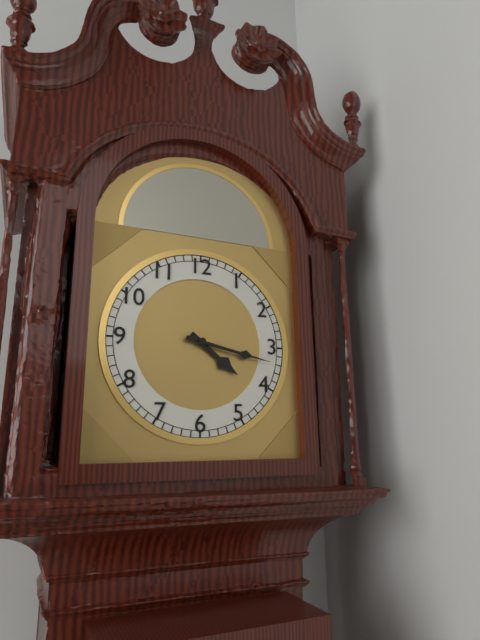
4:17
